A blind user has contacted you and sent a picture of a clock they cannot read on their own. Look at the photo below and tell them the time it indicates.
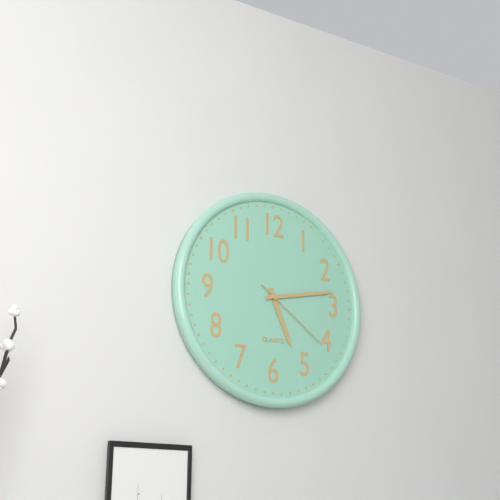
5:13:21
